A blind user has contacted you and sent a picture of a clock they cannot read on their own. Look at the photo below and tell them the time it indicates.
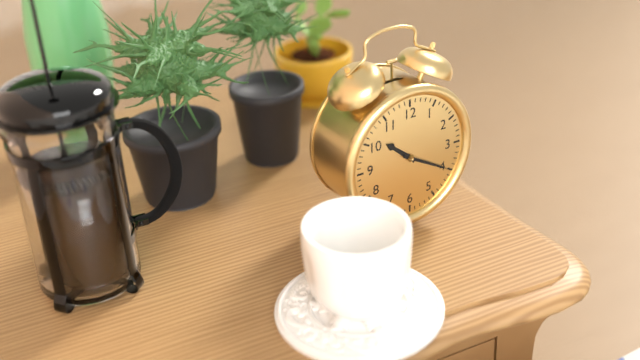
10:20
